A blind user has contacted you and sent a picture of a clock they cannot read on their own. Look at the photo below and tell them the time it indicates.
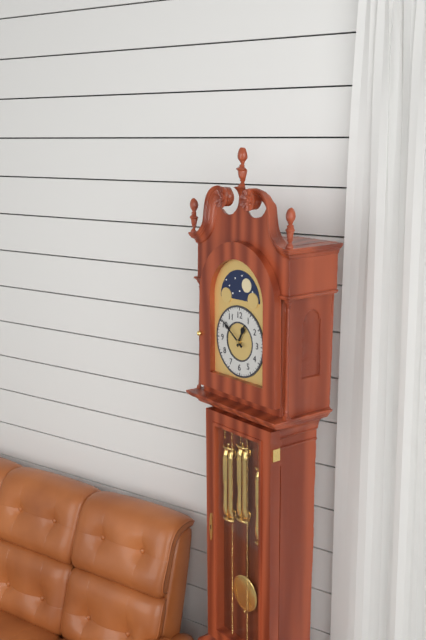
12:51
